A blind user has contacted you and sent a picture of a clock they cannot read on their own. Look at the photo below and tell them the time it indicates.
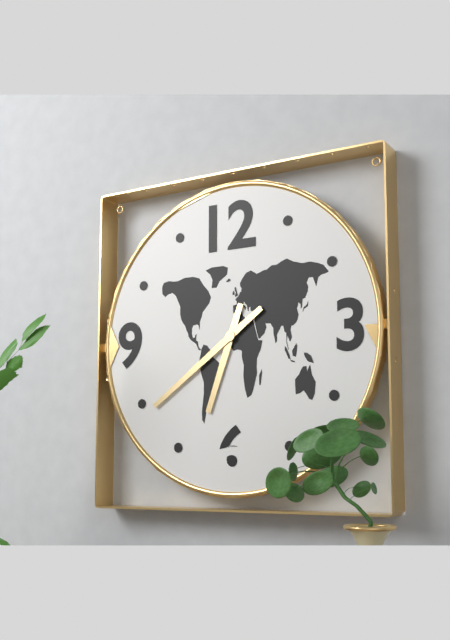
6:39
